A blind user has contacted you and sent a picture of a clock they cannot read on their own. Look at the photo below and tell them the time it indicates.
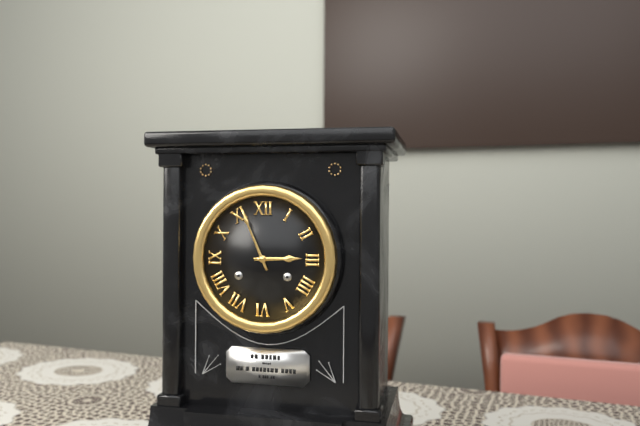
2:56
